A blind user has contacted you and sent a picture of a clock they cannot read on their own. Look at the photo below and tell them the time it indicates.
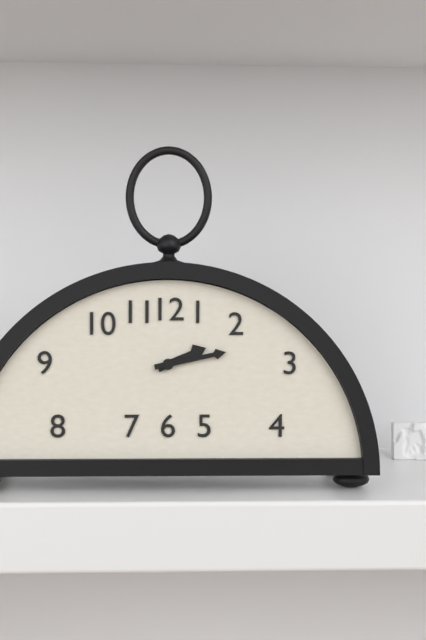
2:13
